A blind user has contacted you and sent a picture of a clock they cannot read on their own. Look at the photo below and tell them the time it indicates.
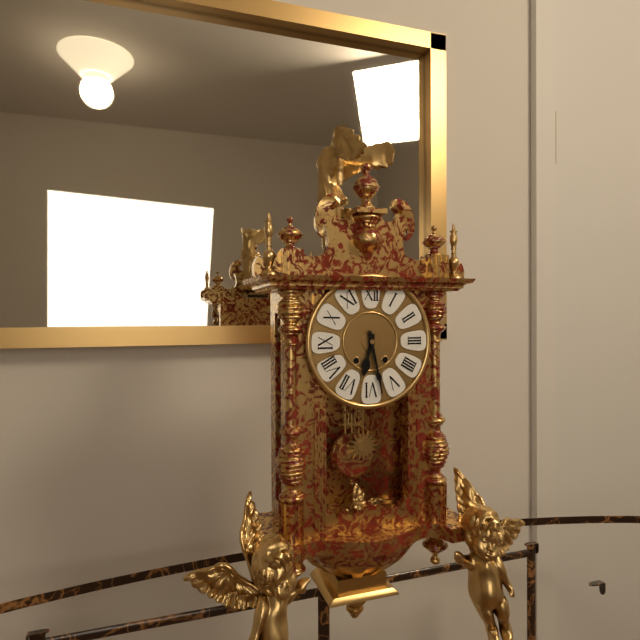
6:28
